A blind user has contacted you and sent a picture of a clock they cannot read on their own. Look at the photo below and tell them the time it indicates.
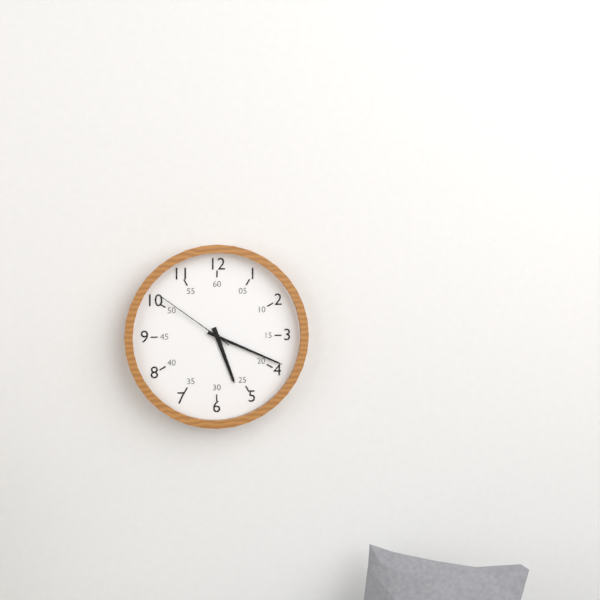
5:19:51
